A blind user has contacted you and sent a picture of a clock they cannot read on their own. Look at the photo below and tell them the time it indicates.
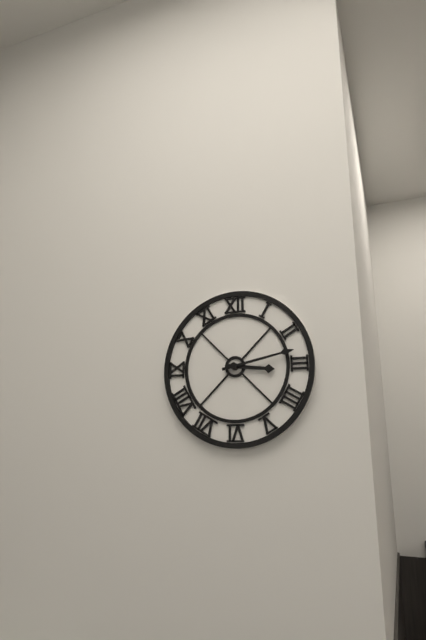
3:13
